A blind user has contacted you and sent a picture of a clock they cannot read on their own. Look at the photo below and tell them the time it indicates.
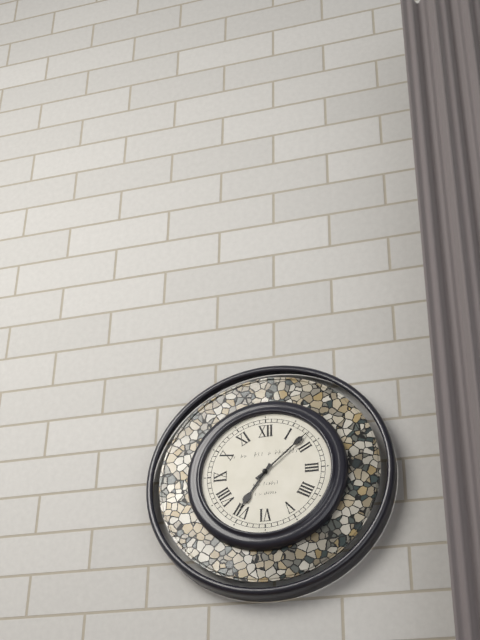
7:08
